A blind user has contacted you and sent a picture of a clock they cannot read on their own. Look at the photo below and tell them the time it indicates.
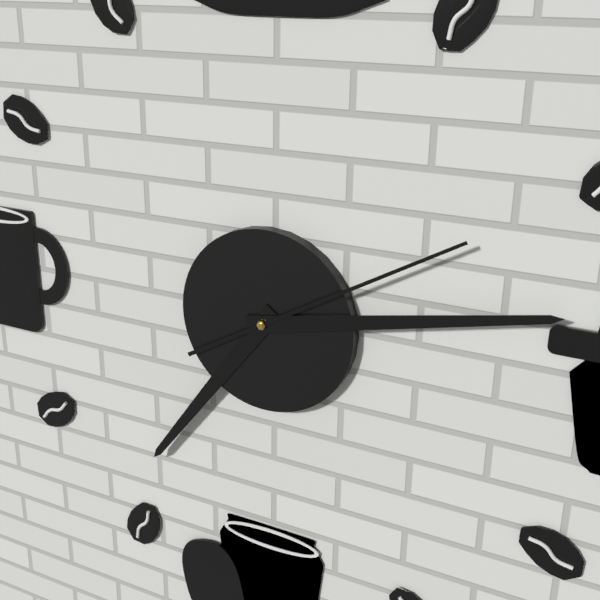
7:13:10
